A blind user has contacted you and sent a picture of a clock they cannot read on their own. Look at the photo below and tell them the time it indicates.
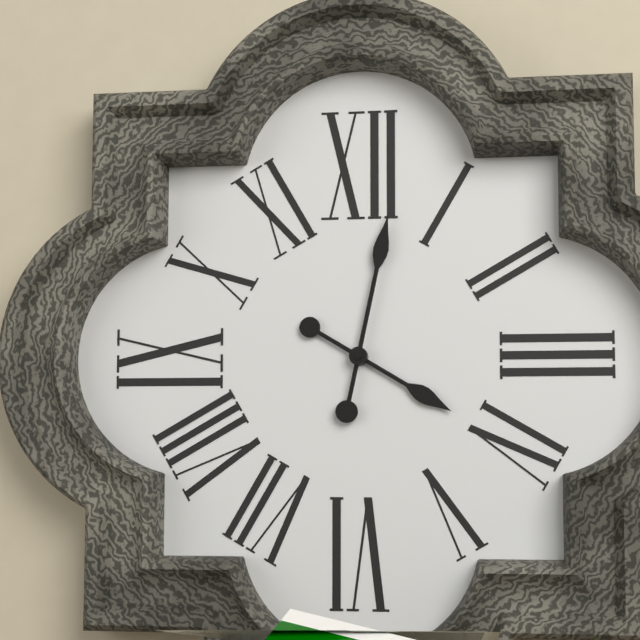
4:02
